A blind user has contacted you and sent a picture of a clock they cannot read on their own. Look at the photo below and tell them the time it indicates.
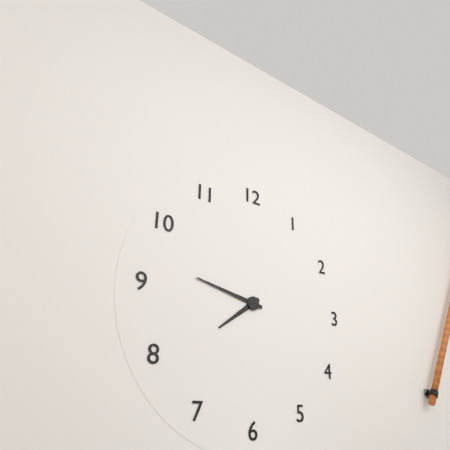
7:47
